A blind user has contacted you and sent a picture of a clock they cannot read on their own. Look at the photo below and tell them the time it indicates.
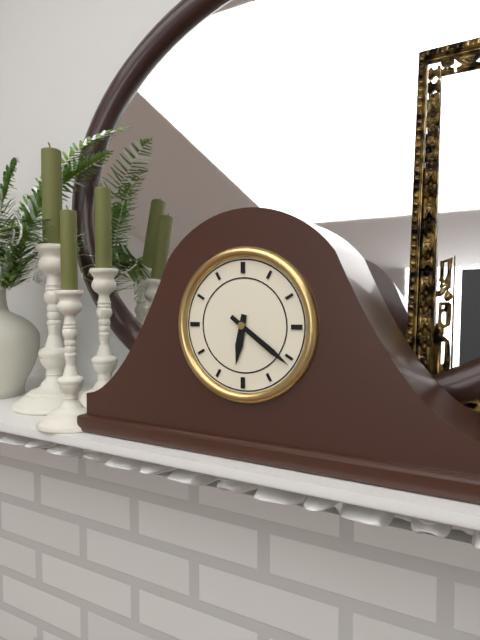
6:21
